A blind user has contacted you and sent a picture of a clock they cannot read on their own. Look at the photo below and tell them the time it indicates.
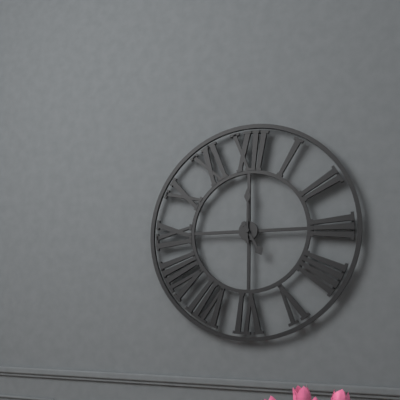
5:00
